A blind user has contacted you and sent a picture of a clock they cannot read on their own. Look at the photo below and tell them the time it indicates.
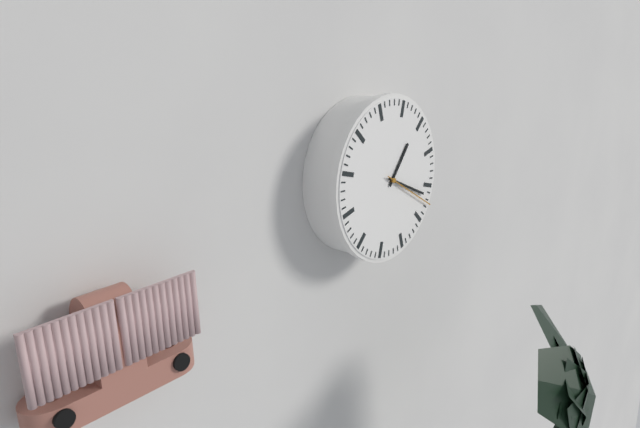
1:19:20
